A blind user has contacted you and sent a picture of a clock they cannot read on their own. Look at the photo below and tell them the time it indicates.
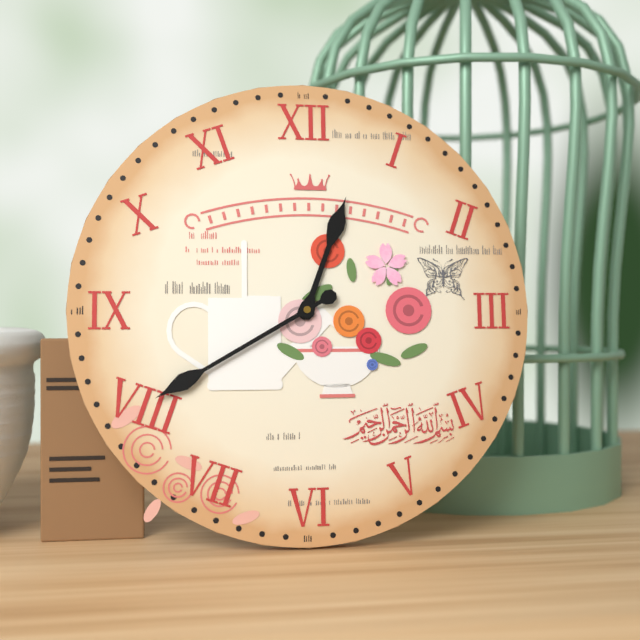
12:40
